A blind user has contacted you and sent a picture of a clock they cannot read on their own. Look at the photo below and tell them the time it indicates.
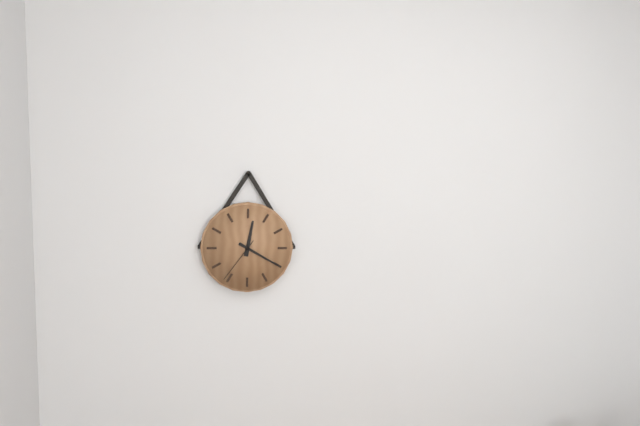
12:20
